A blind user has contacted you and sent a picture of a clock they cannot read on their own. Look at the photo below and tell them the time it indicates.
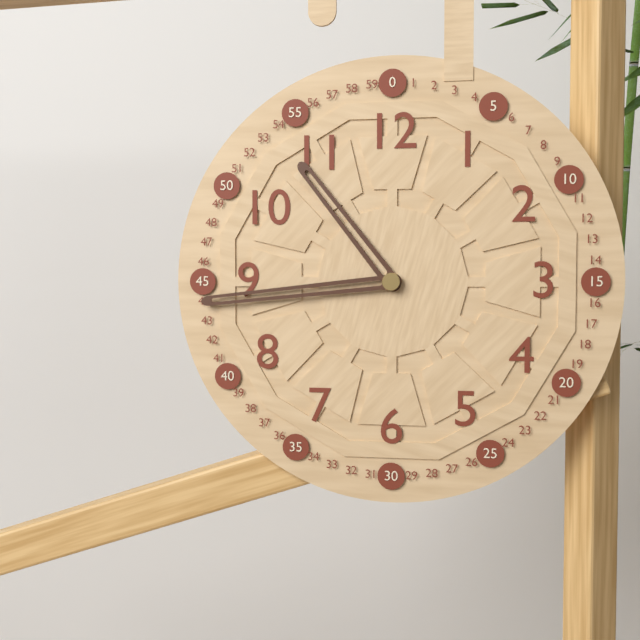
10:44
